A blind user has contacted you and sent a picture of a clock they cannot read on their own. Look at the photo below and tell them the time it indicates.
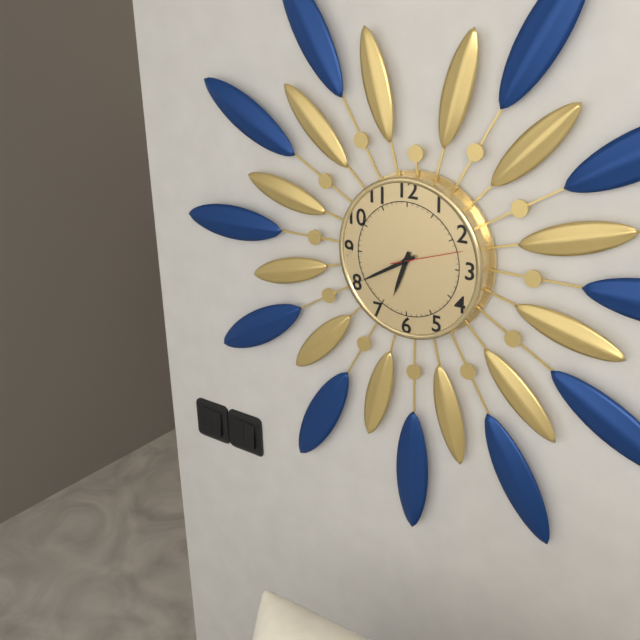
6:40:12
